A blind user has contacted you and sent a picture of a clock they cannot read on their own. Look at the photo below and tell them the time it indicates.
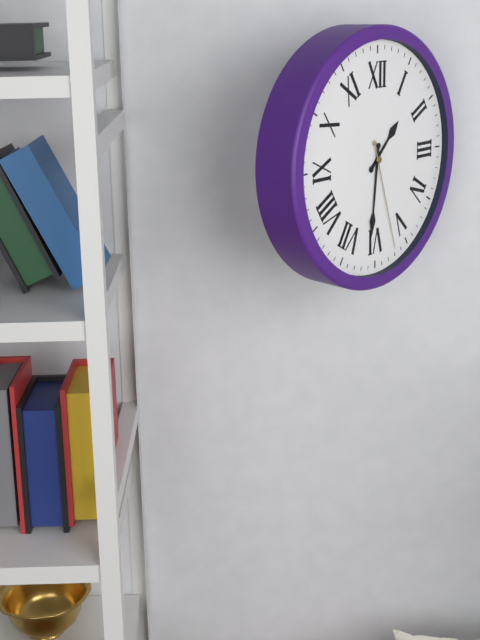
1:31:27
